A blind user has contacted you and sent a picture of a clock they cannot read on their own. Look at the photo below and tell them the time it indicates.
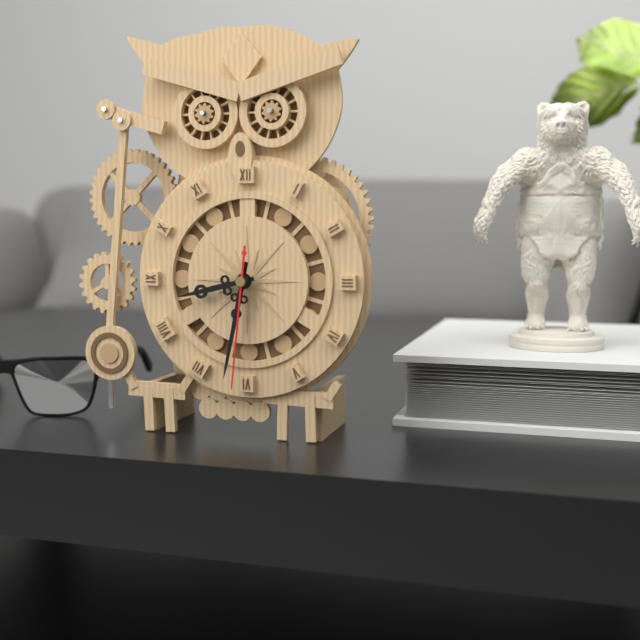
8:32:31
